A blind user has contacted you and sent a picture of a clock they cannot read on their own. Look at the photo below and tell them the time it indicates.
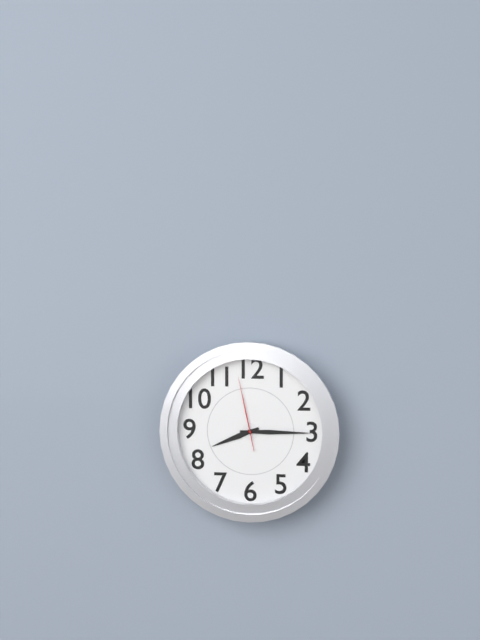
8:15:58
